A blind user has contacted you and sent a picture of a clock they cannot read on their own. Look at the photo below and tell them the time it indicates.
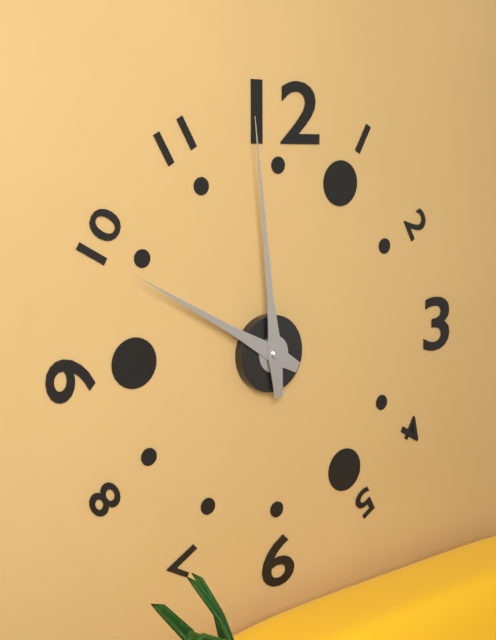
9:59
